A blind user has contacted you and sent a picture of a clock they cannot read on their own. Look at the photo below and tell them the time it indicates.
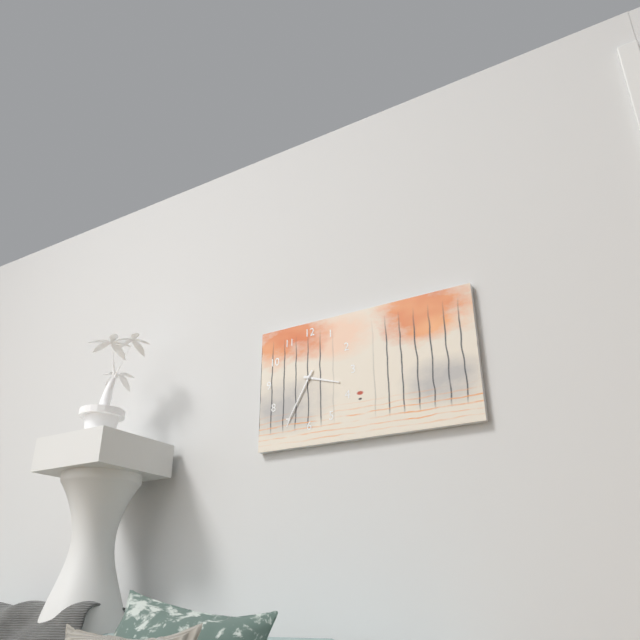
3:35
